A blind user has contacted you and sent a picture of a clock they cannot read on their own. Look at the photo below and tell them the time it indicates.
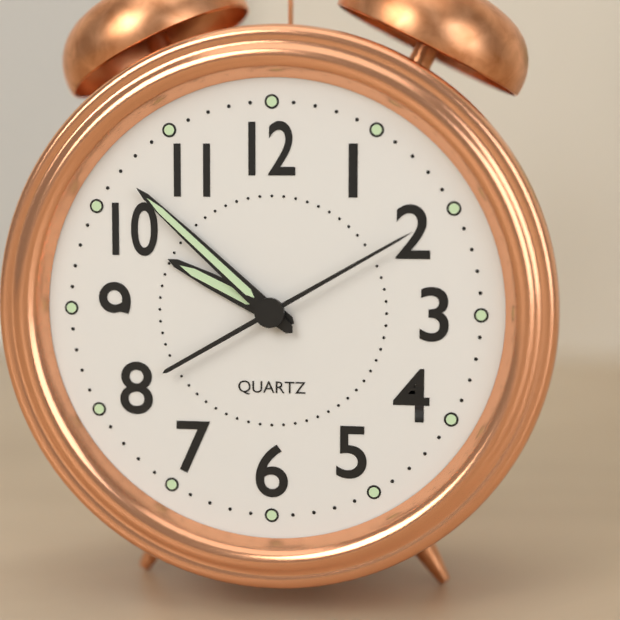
9:52:10
